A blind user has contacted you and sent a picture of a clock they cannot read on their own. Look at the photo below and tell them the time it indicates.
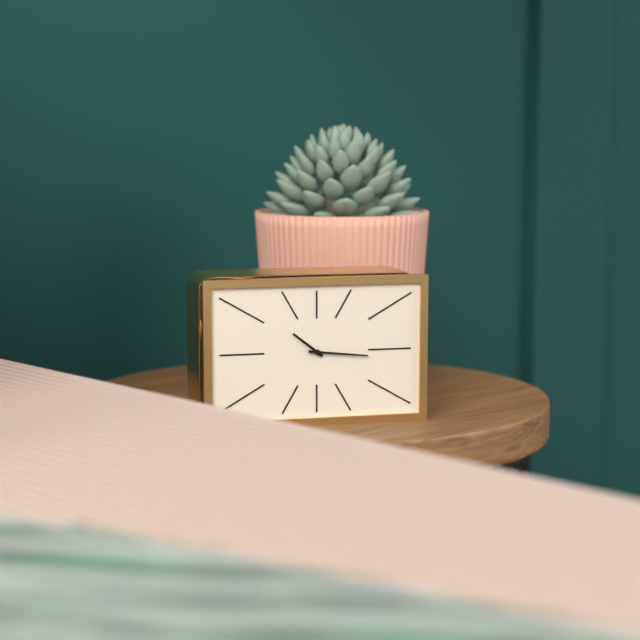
10:16
